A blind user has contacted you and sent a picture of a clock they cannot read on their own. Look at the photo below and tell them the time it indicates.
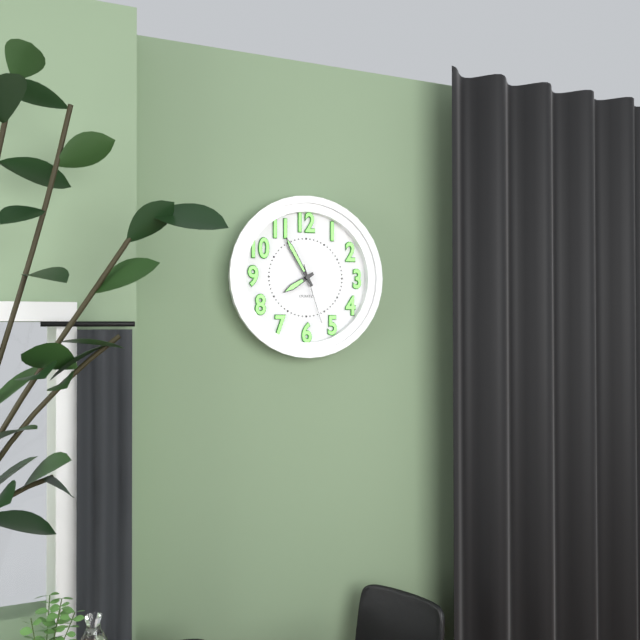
7:55:27
